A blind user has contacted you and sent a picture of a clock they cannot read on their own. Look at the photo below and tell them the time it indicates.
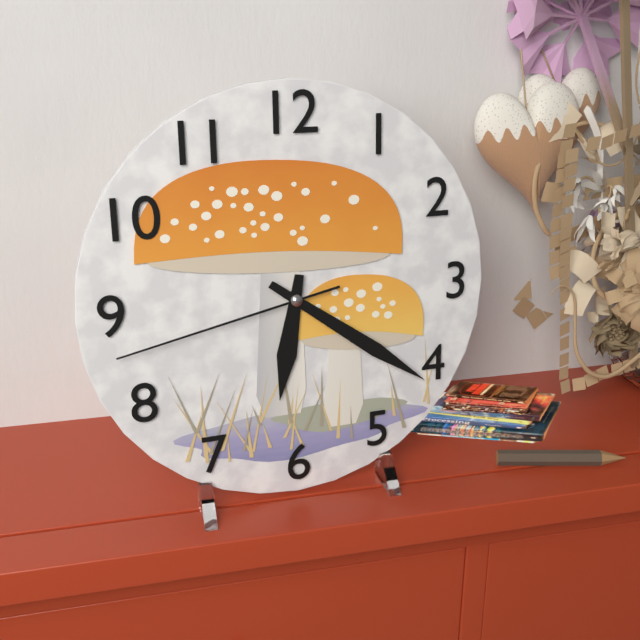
6:21:43
